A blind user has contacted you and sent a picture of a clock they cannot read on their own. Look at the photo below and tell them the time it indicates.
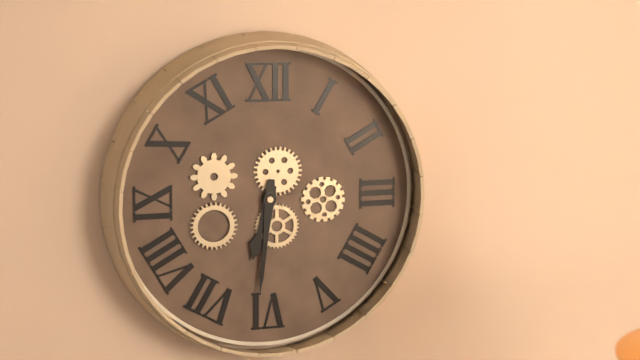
6:31
